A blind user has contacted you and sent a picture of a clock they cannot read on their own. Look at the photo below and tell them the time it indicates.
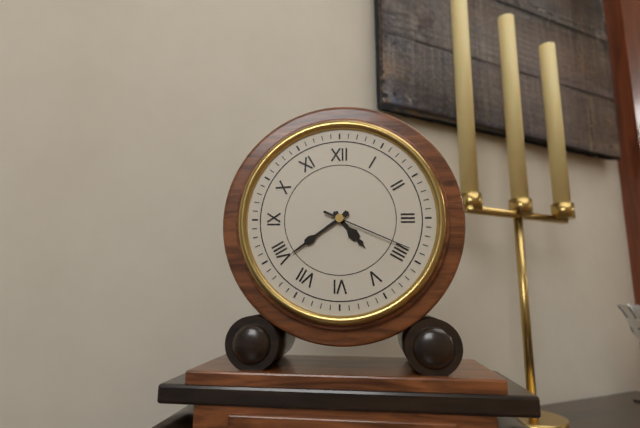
4:39:19
